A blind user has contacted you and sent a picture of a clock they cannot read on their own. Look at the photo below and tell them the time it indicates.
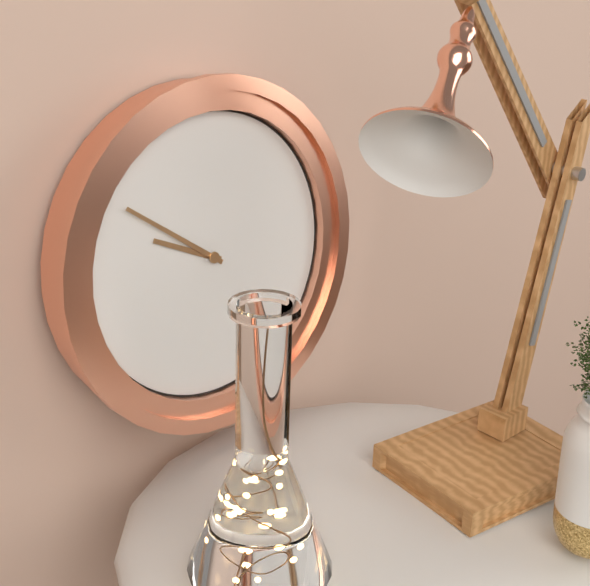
9:51
